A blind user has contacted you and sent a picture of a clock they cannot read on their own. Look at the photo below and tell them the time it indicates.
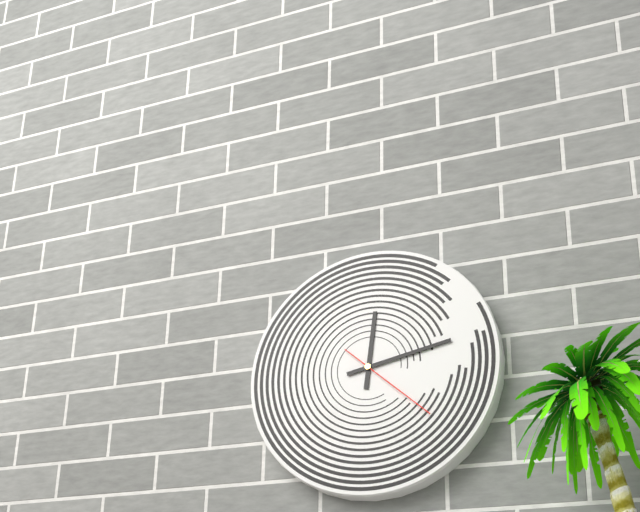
12:13:22
